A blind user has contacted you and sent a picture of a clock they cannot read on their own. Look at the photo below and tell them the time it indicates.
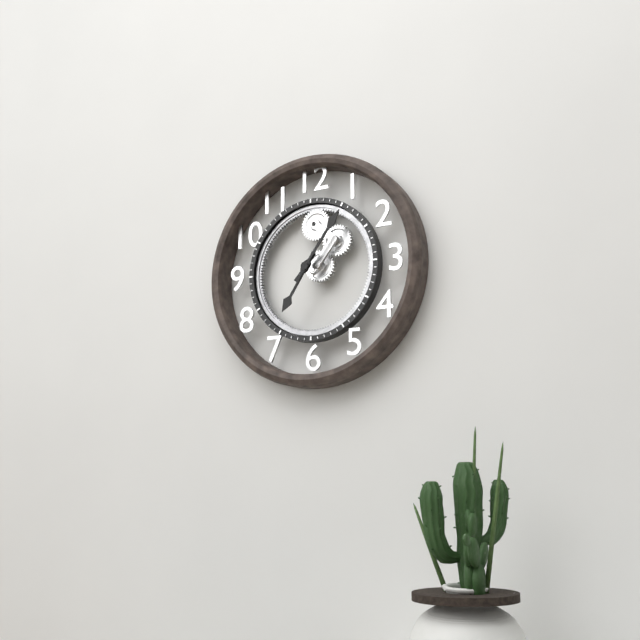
7:06
